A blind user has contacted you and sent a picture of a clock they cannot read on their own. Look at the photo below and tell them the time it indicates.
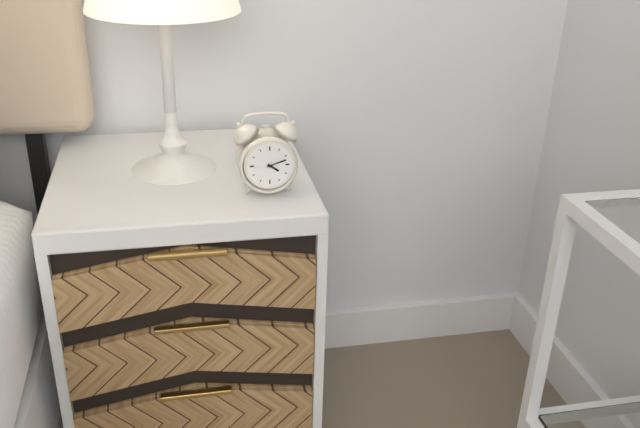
4:12
